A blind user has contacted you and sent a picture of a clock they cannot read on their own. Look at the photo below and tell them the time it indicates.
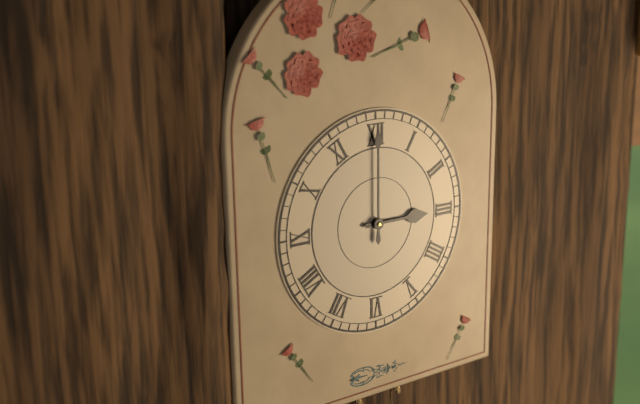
3:00
